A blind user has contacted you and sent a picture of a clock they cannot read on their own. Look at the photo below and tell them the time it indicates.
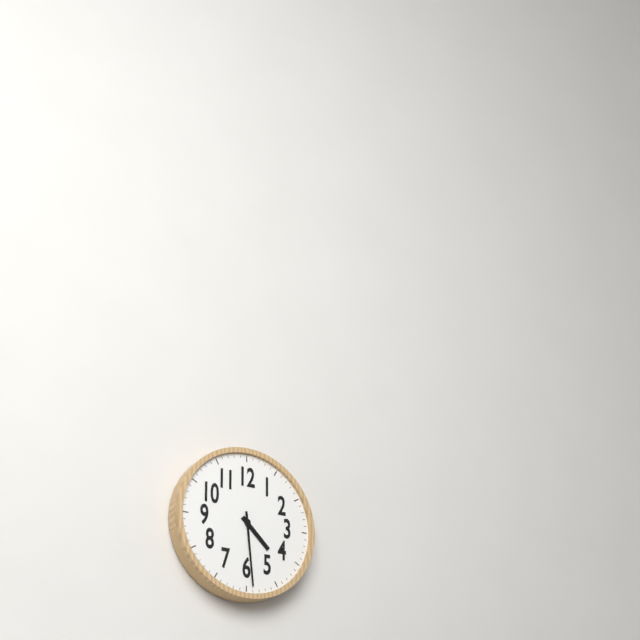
4:29
